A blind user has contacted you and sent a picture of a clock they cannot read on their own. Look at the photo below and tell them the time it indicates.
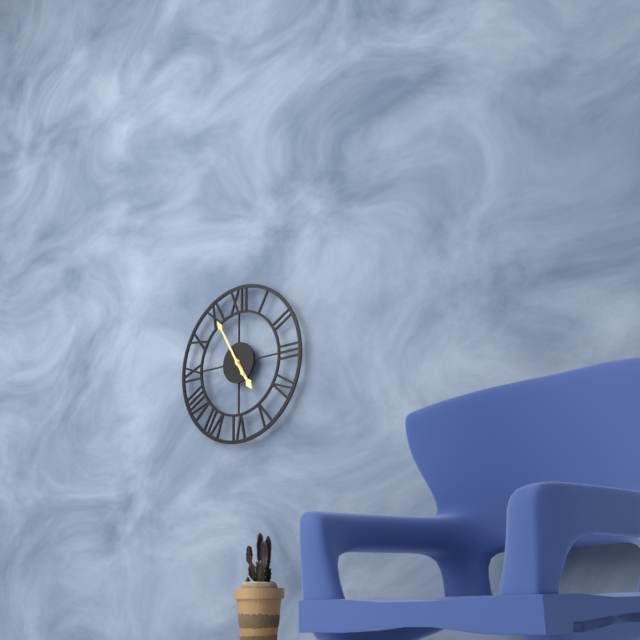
4:55
